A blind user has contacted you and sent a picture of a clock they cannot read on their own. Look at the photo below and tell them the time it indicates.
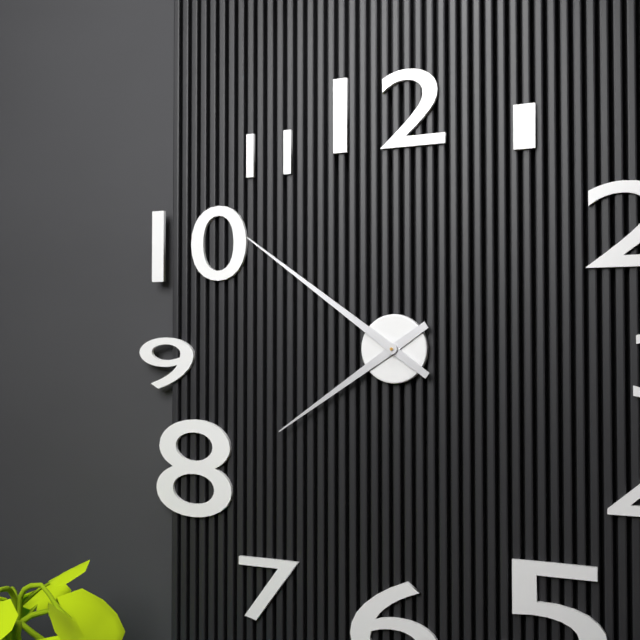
7:51
